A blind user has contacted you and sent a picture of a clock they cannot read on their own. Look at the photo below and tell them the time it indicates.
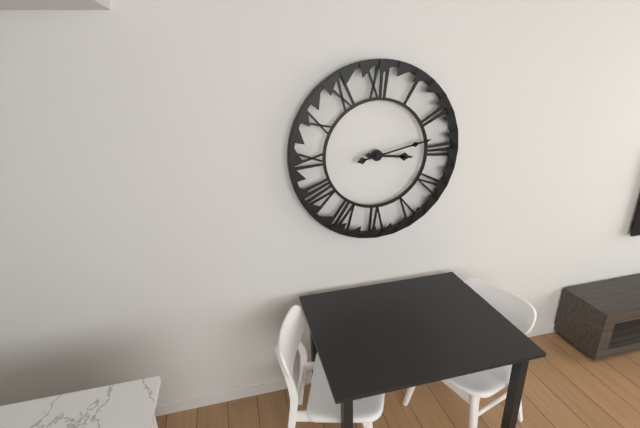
3:13
